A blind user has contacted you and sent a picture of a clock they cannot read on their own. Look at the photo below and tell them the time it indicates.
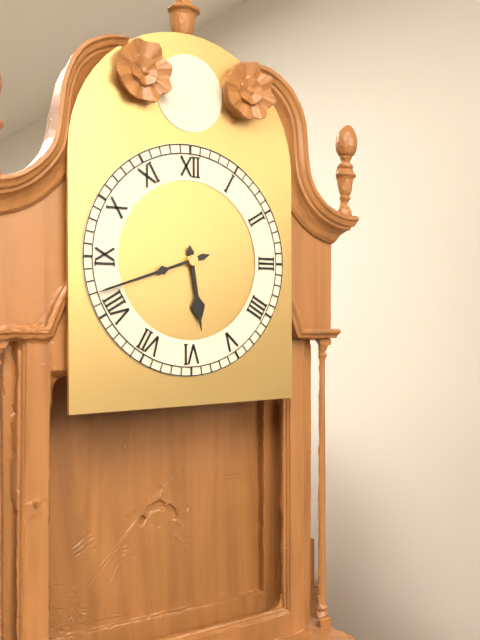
5:42
